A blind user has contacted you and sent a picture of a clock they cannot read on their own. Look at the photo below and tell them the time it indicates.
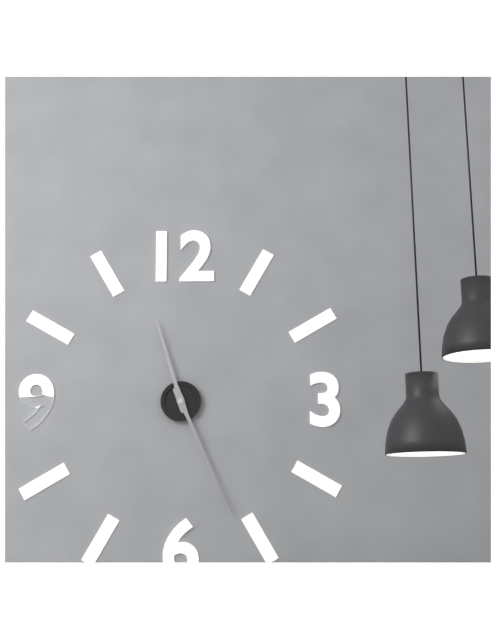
11:26
